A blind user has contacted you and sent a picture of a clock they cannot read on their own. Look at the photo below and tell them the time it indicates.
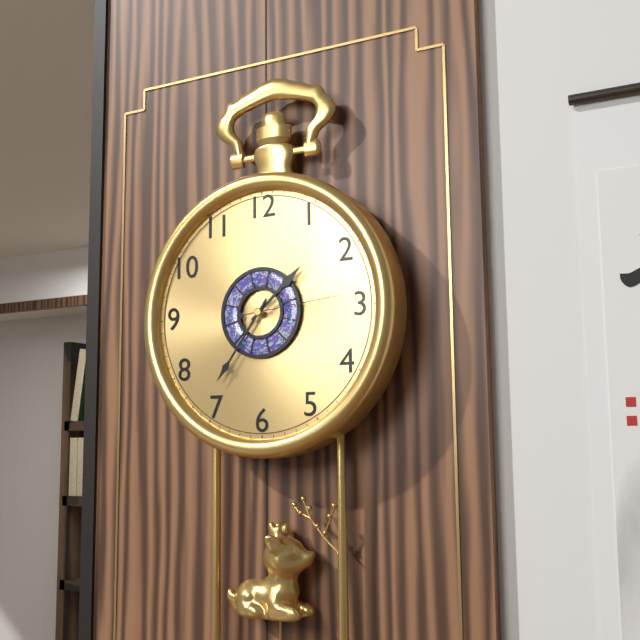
1:36:14
